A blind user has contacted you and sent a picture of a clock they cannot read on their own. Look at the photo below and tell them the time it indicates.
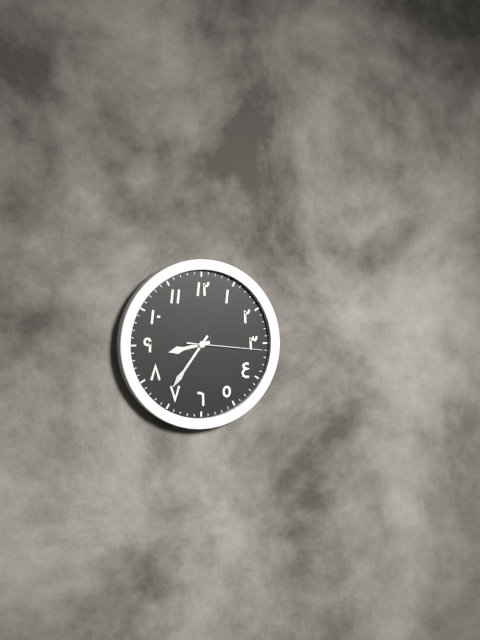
8:36:16
